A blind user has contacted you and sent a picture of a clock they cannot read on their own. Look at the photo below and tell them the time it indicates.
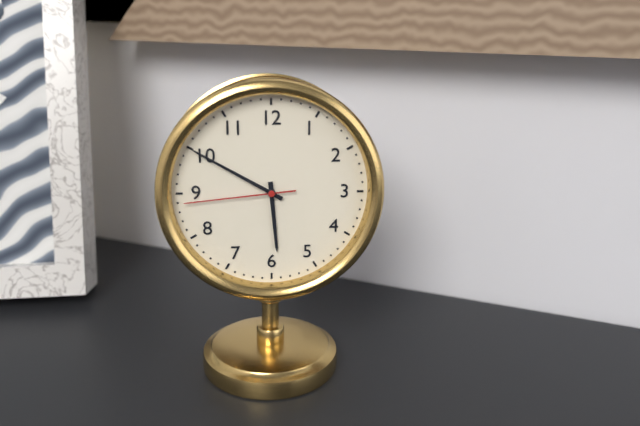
5:50:44
